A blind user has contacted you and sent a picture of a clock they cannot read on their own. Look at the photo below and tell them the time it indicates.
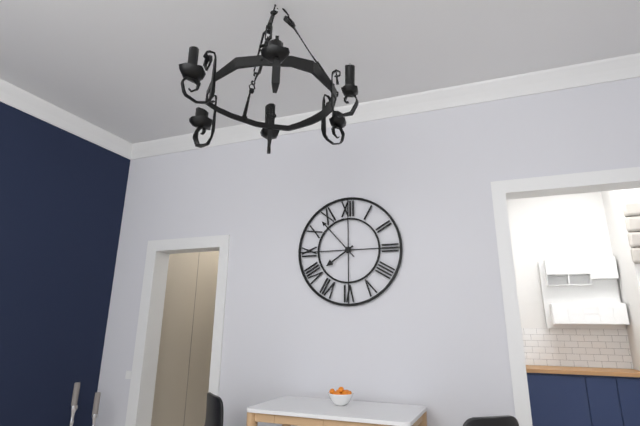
7:53
